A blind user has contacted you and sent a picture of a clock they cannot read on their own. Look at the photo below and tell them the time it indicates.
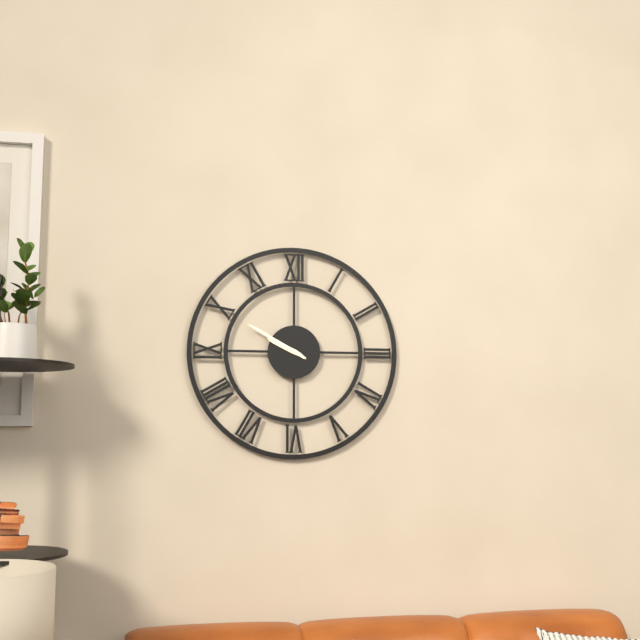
9:50
